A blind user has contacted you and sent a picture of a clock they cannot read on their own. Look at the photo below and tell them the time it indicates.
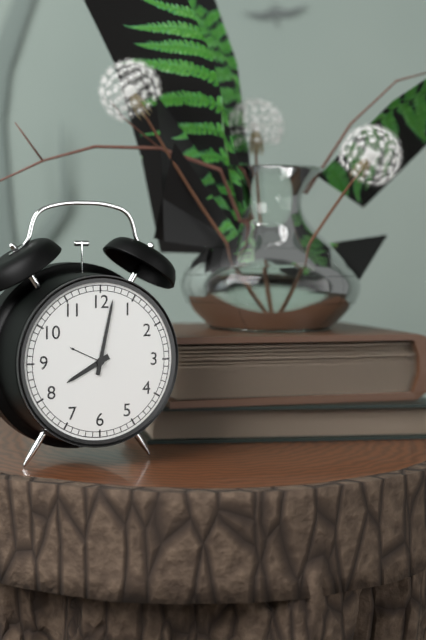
8:02
